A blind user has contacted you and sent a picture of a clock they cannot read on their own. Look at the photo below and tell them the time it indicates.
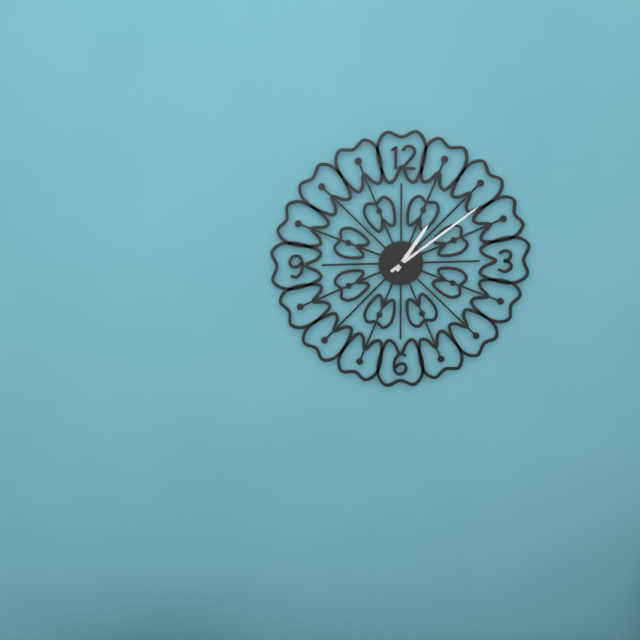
1:09
